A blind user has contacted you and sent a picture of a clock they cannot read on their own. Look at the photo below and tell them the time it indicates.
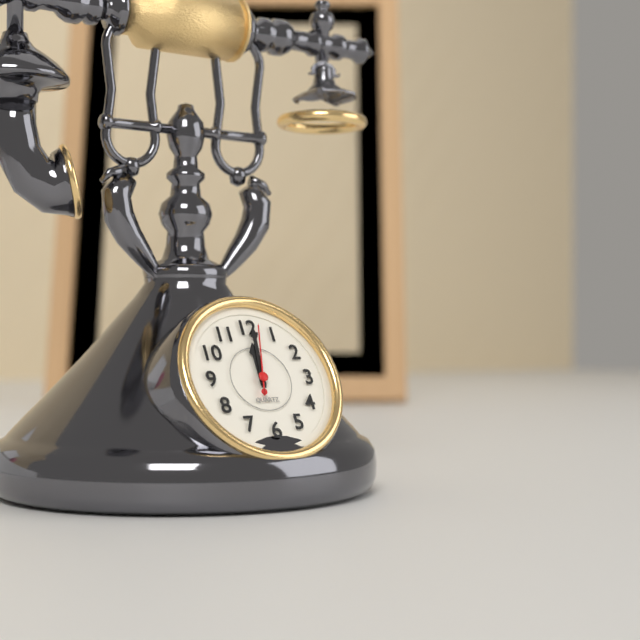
12:01:02
